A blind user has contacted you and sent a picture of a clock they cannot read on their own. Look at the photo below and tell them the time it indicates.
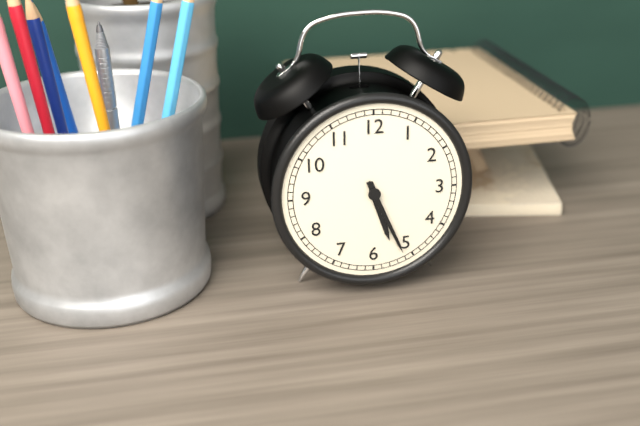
5:26
